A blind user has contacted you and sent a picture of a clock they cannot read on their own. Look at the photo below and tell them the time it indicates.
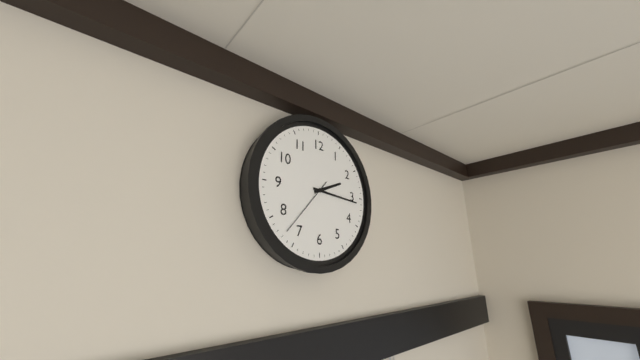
2:16:37
